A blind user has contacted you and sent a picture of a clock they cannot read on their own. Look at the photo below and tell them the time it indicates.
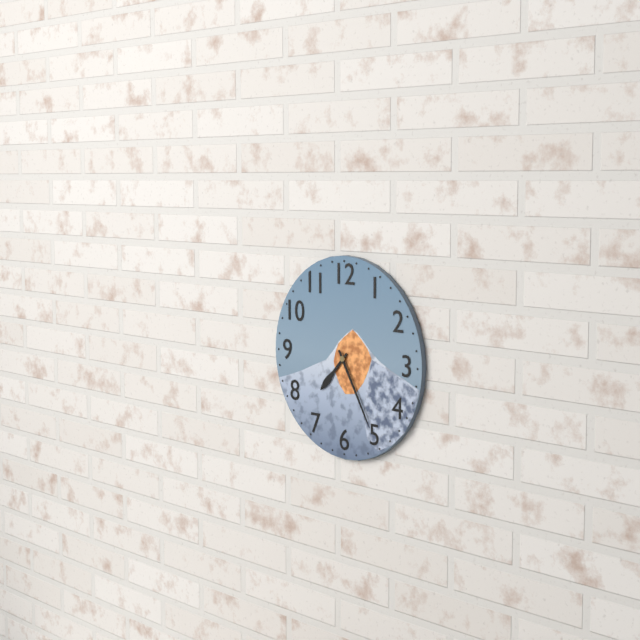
7:25
